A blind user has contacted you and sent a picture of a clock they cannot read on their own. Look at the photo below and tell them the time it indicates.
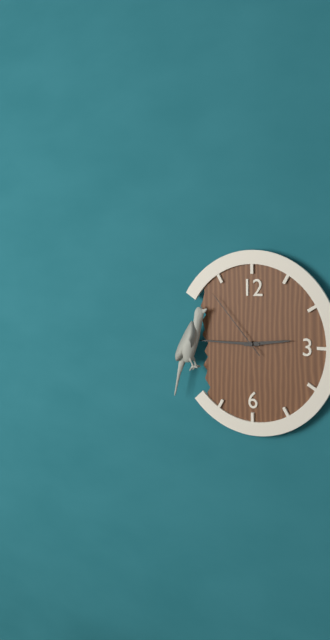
2:45:53
